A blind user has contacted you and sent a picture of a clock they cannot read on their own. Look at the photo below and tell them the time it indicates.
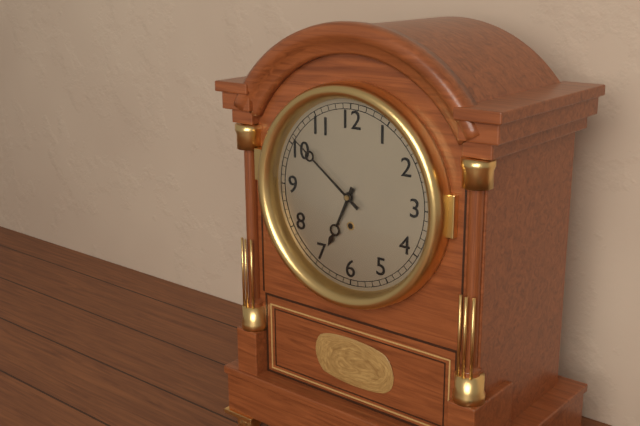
6:51
